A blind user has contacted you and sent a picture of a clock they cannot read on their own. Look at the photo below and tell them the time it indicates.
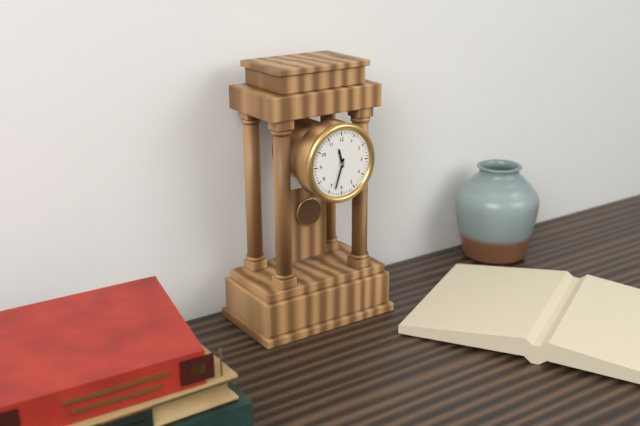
11:33
